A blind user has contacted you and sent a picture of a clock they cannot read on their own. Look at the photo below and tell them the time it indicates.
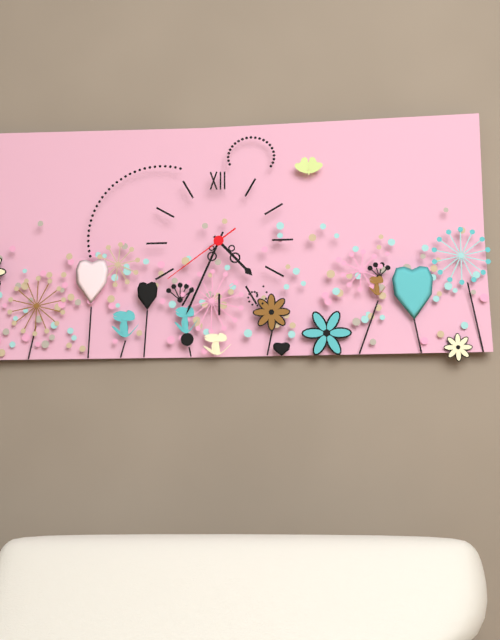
4:34:39
